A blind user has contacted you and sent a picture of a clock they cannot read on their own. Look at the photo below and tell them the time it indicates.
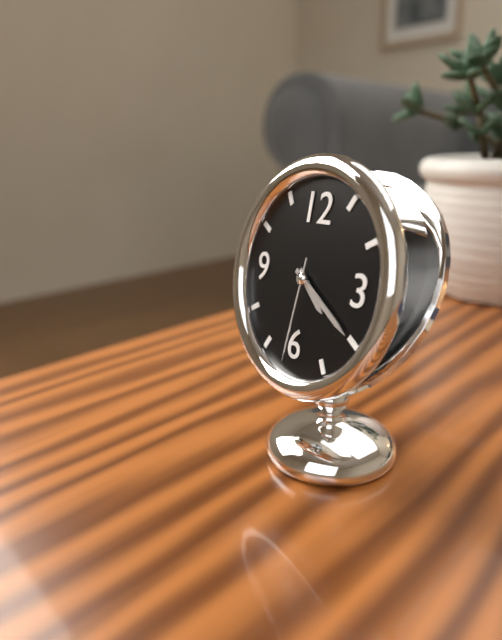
4:20:31
